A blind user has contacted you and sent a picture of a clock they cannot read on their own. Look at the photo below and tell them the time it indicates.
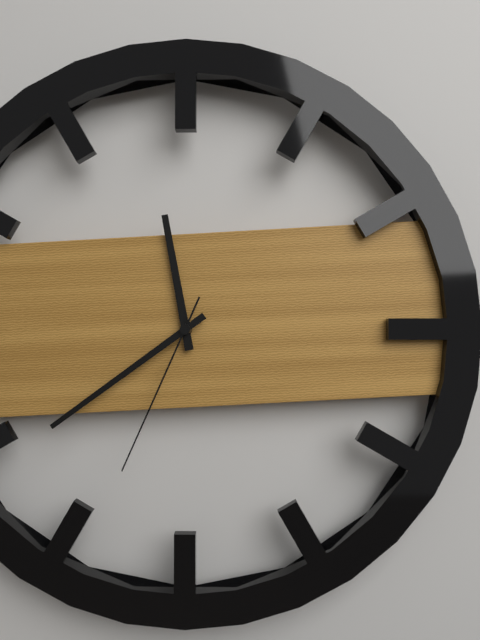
11:39:34
